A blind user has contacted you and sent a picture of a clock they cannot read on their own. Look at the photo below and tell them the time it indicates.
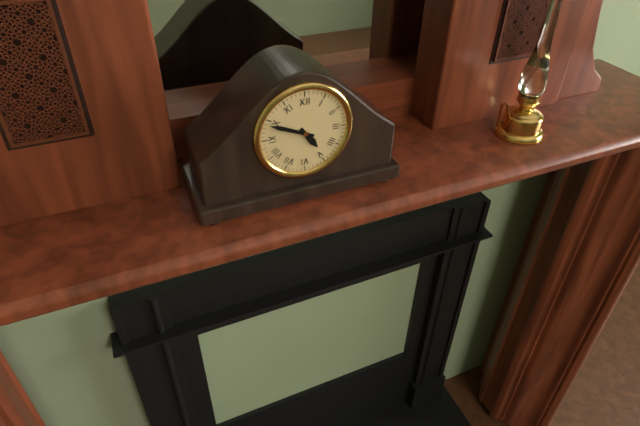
4:49
